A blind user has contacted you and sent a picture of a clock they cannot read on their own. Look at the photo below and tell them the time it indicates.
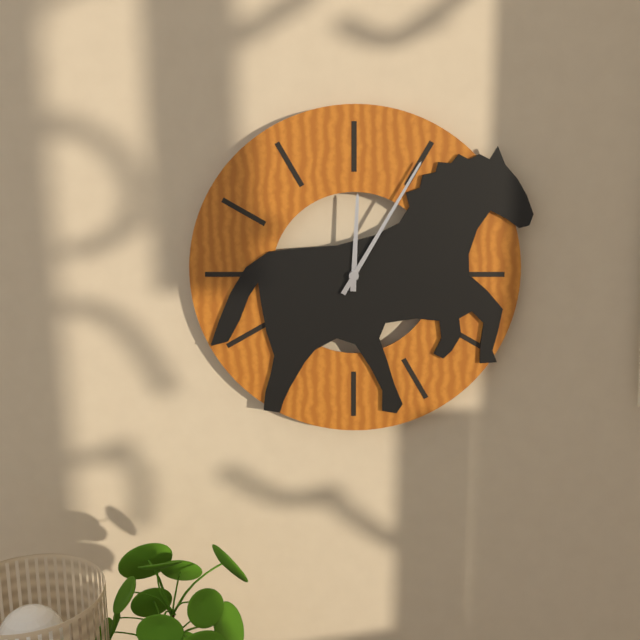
12:05
